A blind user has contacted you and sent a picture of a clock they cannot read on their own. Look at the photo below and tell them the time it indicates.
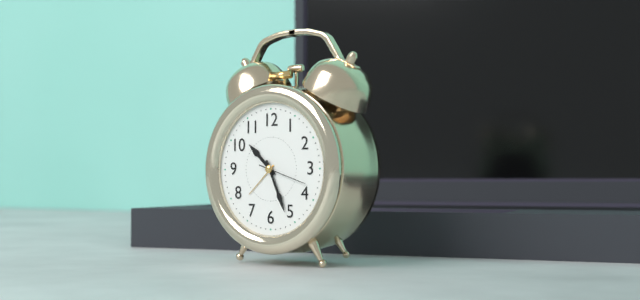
10:26
